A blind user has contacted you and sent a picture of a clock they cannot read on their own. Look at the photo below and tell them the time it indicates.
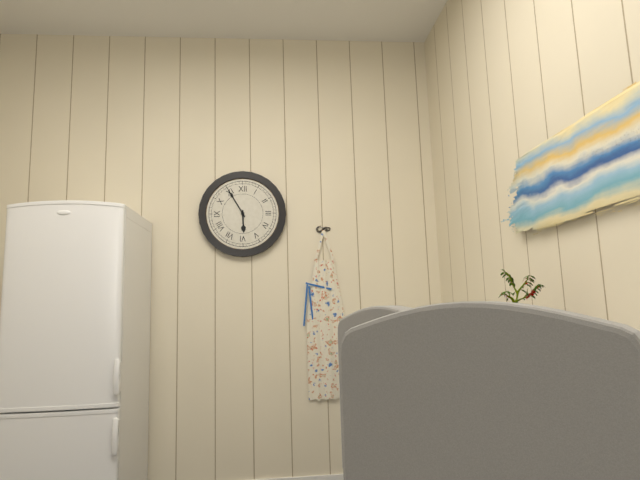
5:55
